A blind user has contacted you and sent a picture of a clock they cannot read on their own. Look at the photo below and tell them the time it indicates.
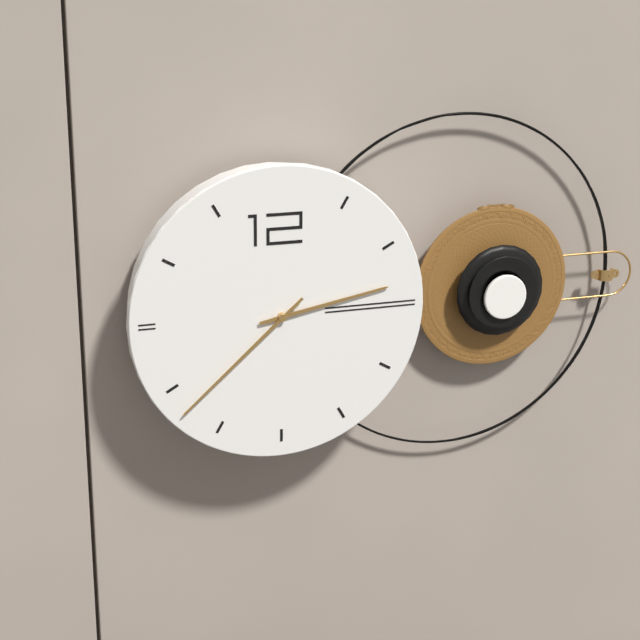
2:38
